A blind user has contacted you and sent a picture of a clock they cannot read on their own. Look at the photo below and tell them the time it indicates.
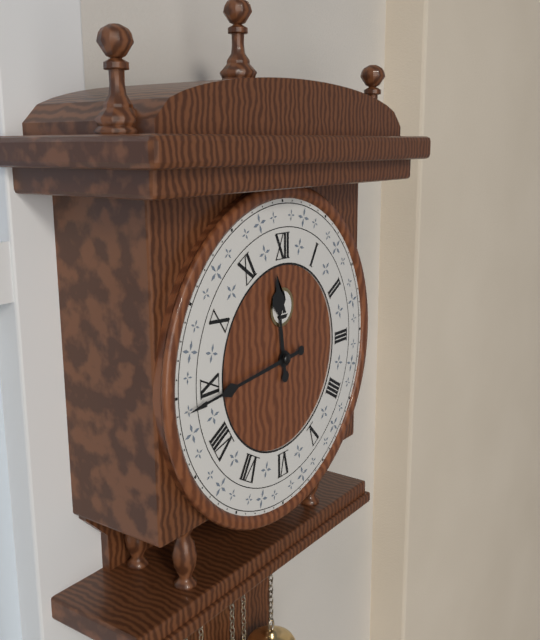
11:44
